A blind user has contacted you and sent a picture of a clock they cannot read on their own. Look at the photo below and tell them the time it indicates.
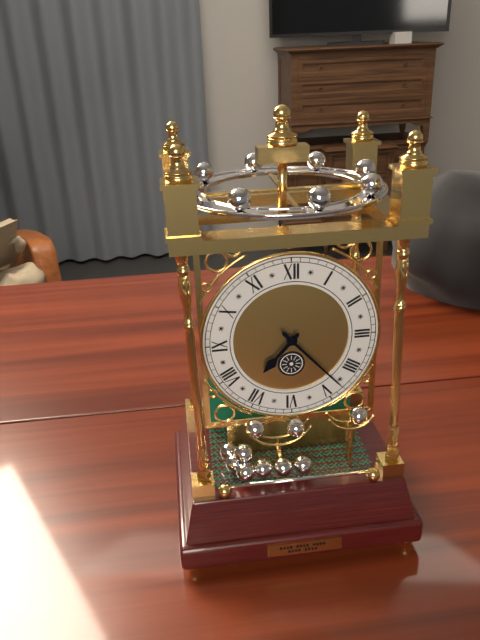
7:23
